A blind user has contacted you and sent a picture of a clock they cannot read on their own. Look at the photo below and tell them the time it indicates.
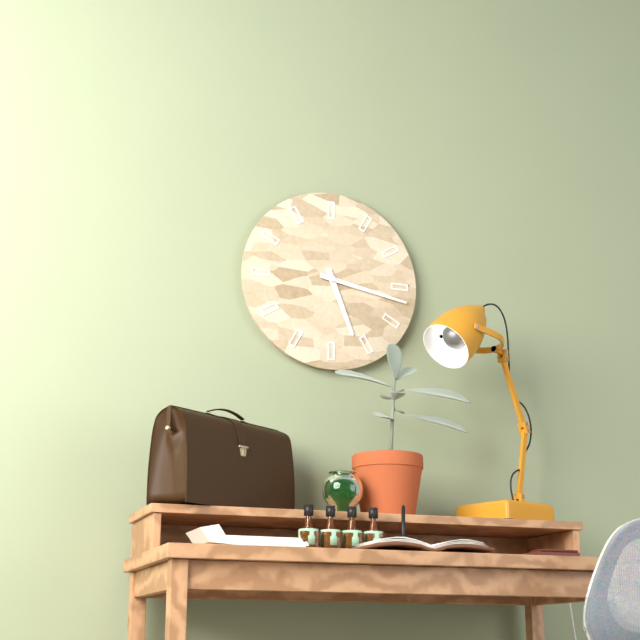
5:17
